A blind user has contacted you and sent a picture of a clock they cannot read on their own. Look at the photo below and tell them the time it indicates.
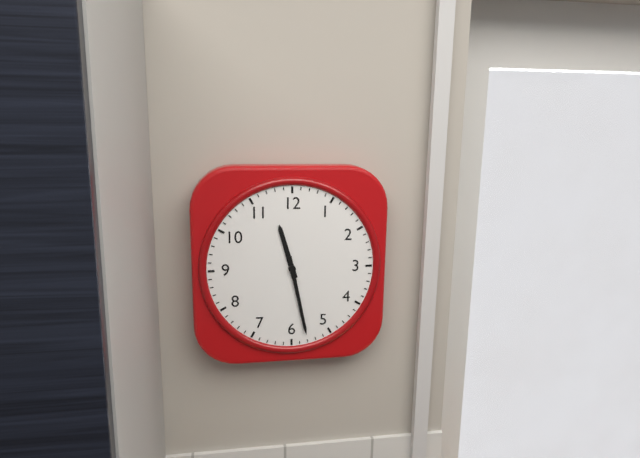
11:28
